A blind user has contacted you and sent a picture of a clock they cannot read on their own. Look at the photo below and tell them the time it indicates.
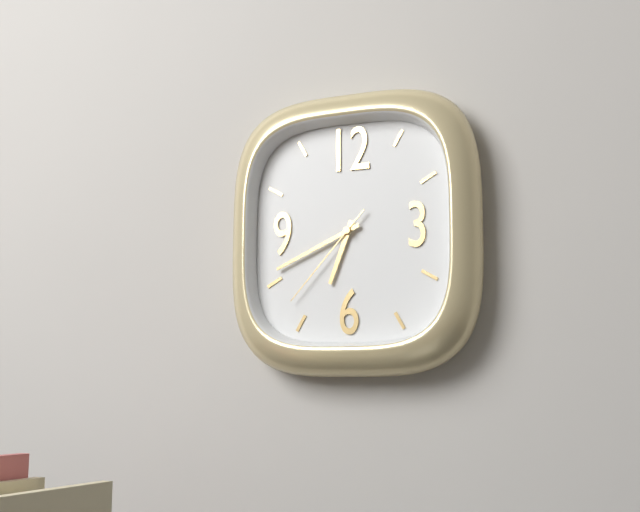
6:41:37
